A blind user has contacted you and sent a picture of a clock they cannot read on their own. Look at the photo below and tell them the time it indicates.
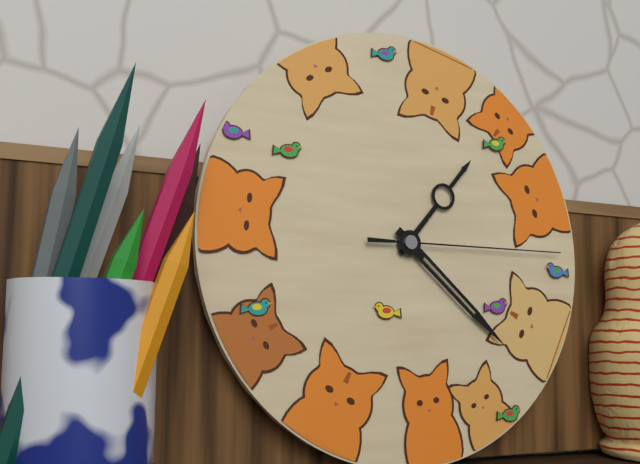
1:22:15
